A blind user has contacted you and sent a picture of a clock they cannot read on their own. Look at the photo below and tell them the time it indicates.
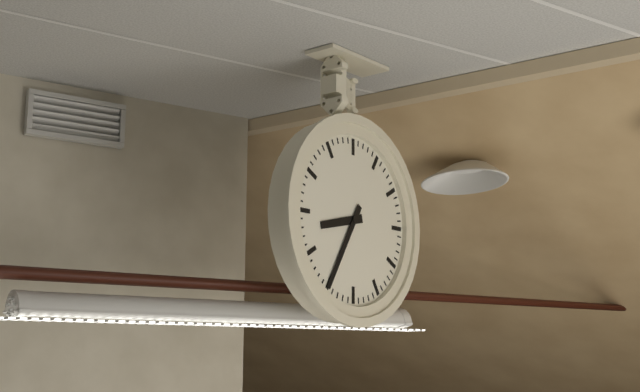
8:35
